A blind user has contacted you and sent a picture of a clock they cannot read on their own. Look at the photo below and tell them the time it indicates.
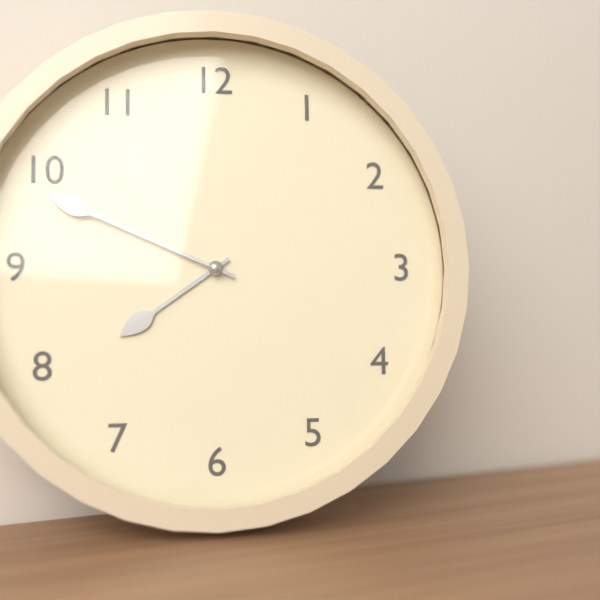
7:49
